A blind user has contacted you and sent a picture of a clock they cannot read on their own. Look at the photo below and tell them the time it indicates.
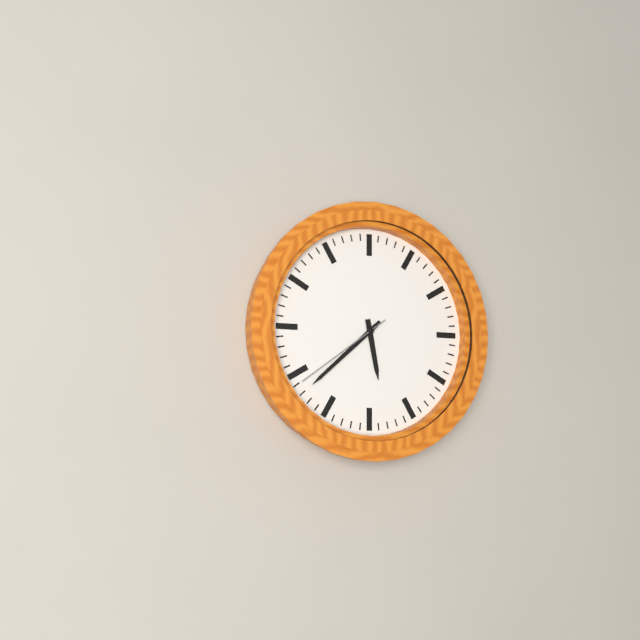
5:38:39
